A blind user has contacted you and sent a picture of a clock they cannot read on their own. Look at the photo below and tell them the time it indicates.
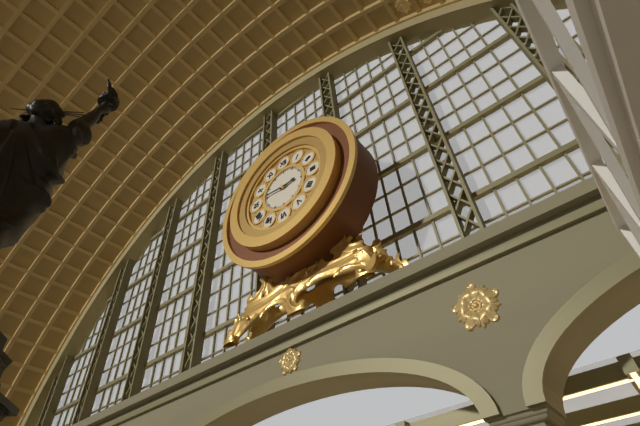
2:46
